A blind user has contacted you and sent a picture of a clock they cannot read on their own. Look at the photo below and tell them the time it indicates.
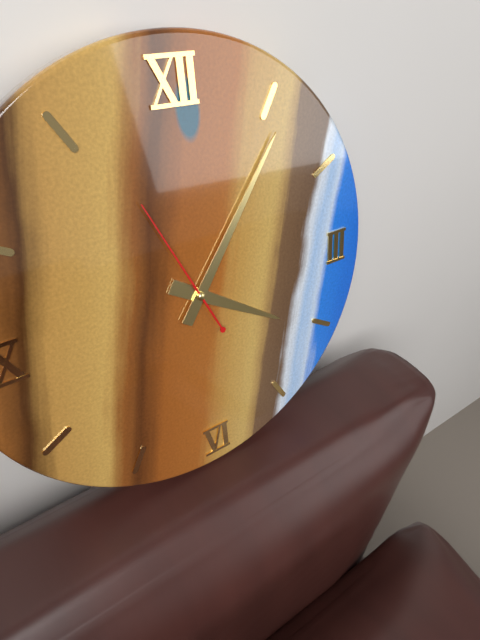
4:06:56
